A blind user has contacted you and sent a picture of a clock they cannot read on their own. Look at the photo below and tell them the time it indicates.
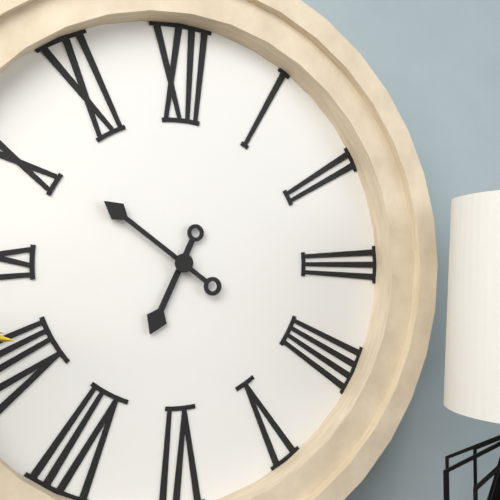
6:51
